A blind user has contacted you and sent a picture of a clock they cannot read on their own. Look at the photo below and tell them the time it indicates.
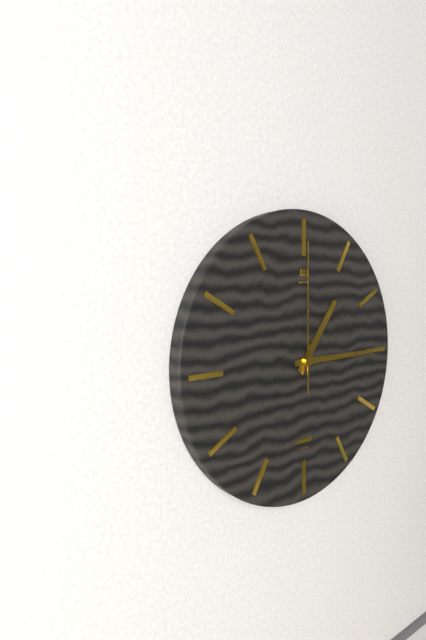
1:15:00
